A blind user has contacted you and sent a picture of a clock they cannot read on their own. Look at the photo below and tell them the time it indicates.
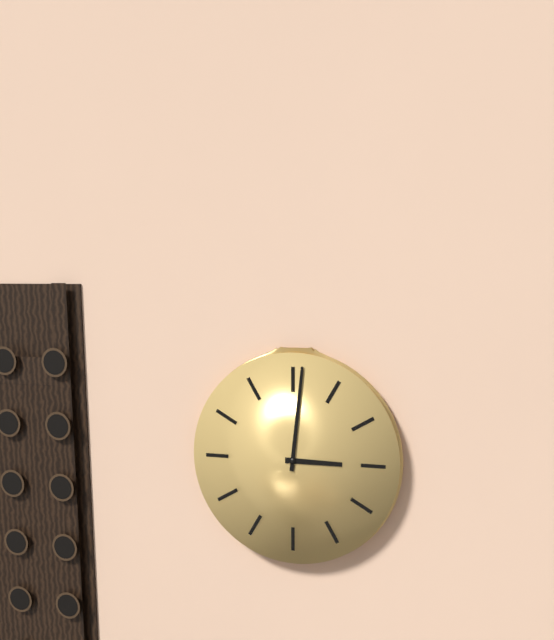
3:01
